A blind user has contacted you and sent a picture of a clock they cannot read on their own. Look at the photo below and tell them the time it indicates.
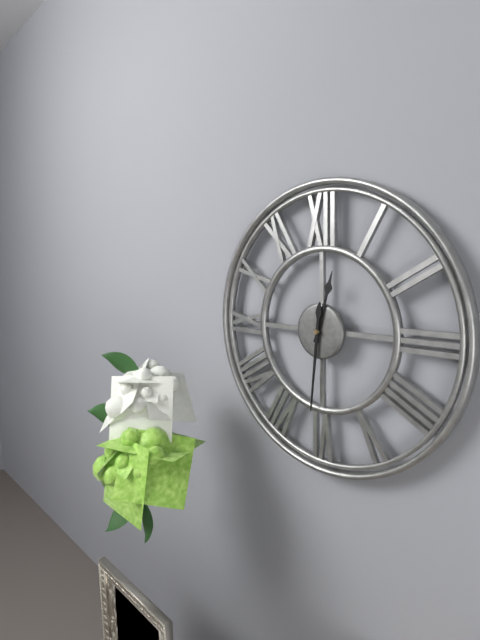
12:31
